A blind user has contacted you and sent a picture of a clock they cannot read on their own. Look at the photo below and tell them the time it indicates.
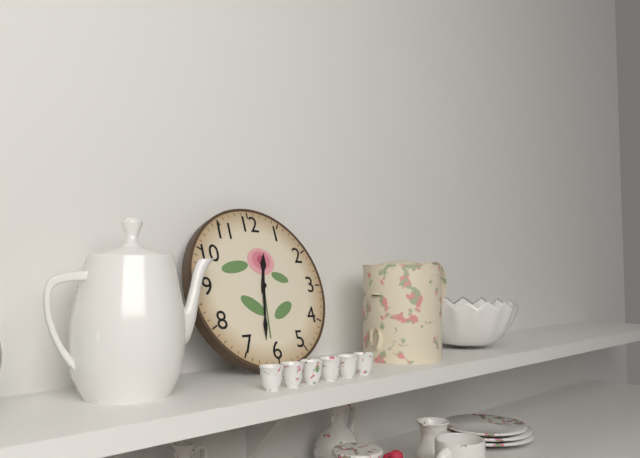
12:32
